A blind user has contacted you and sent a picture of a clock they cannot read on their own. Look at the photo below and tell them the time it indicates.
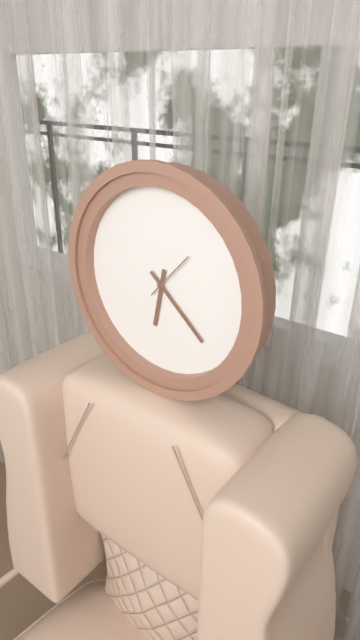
6:22:07
